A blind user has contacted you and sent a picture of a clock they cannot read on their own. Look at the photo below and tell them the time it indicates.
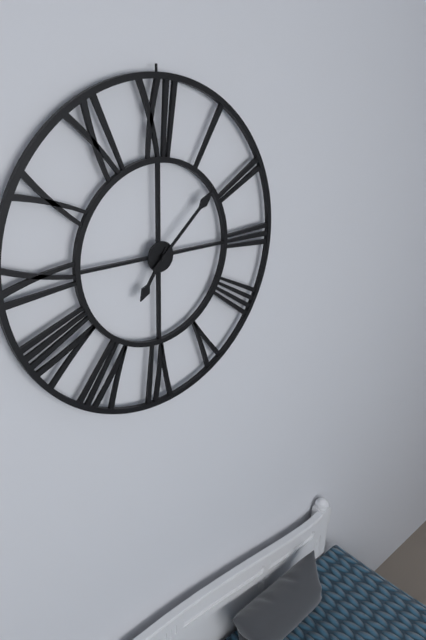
7:08
